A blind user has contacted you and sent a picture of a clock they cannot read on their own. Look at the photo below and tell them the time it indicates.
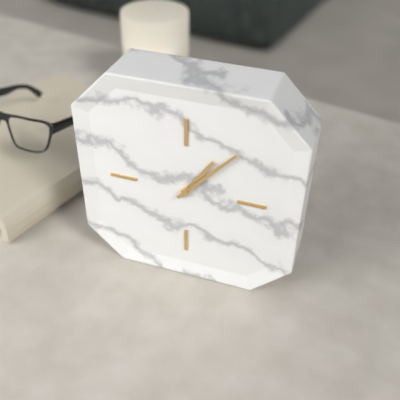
1:07
